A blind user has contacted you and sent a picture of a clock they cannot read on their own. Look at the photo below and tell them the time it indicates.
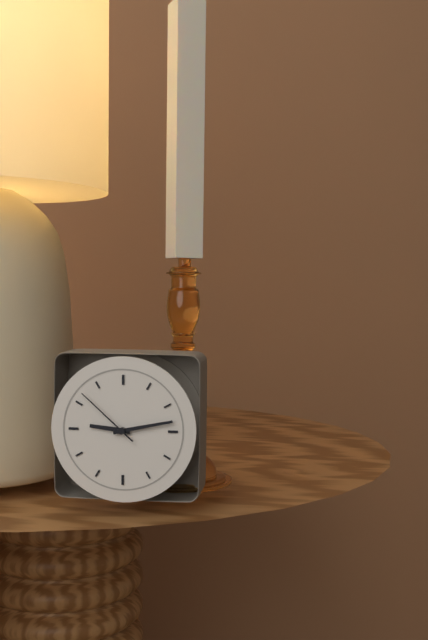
9:13:52
